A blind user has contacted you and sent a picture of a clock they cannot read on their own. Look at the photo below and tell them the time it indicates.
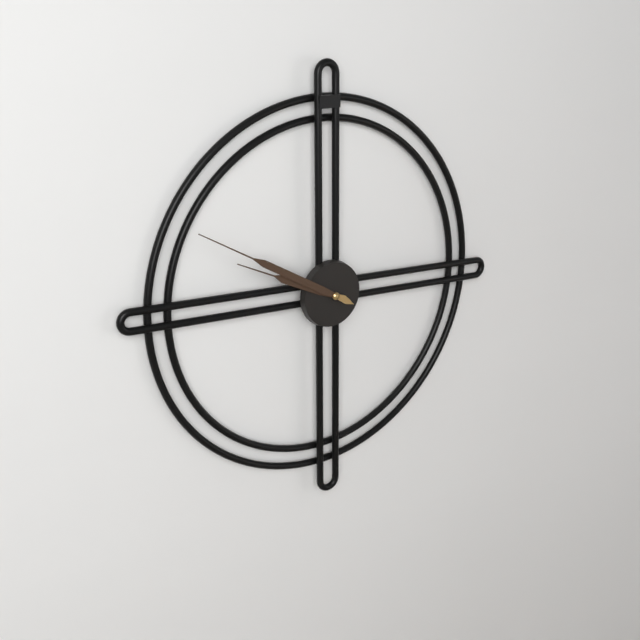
9:50
